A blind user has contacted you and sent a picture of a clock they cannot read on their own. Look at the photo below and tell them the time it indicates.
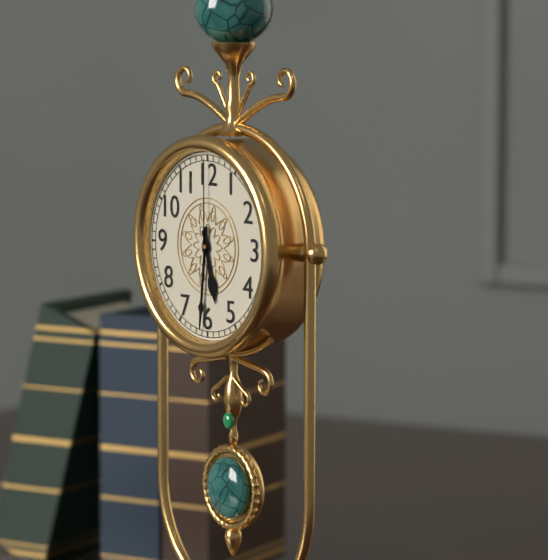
5:31:00
